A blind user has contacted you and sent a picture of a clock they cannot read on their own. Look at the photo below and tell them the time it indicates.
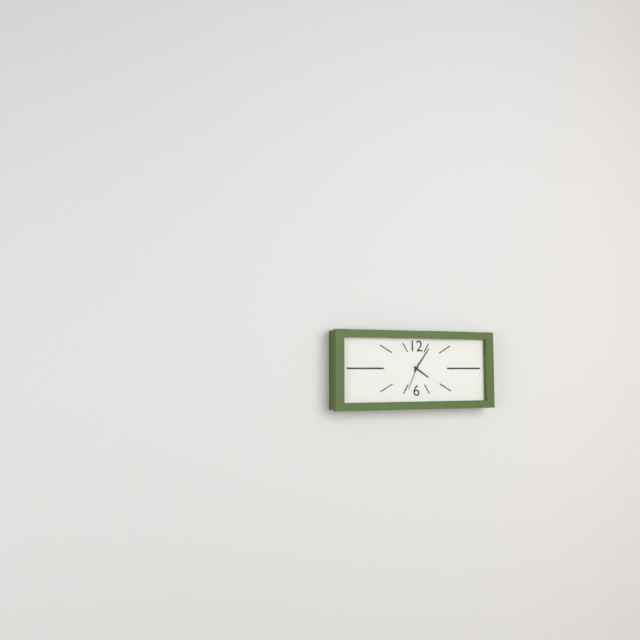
4:06
